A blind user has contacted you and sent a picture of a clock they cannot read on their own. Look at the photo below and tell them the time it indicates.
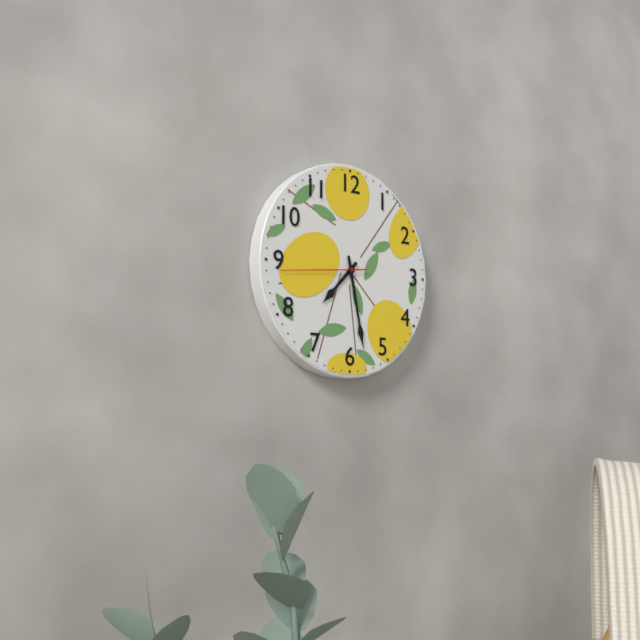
7:28:44
